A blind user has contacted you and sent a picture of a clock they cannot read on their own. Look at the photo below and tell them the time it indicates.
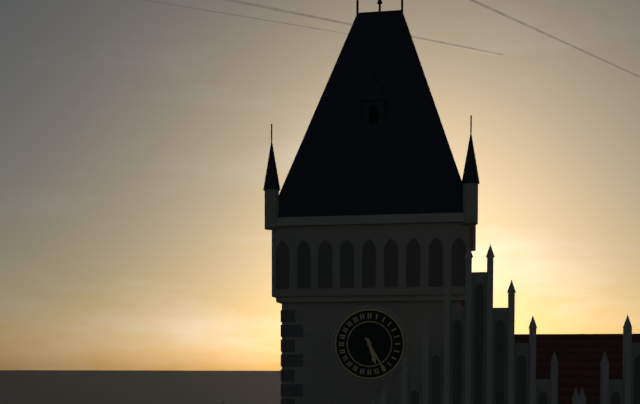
5:25
